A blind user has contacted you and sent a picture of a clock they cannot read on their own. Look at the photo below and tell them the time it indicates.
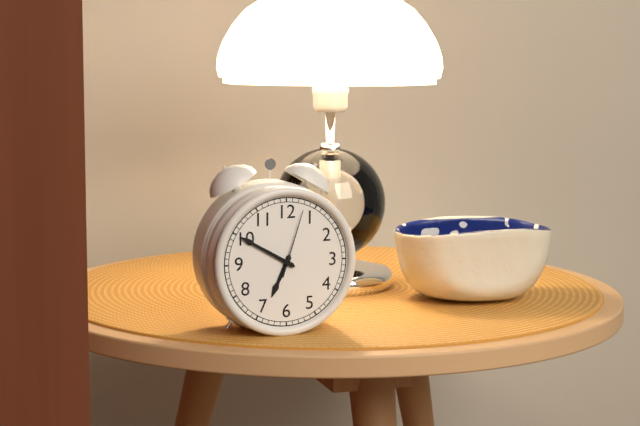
6:50:03
